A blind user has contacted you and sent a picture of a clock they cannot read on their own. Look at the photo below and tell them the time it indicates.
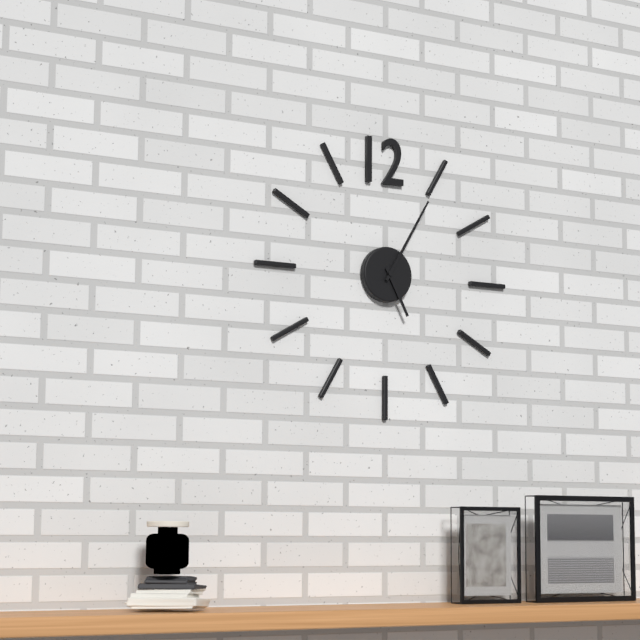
5:05
